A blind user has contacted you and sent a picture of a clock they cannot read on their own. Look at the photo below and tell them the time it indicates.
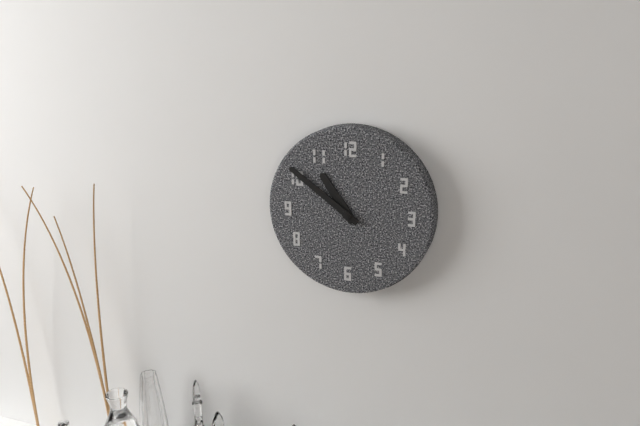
10:51
